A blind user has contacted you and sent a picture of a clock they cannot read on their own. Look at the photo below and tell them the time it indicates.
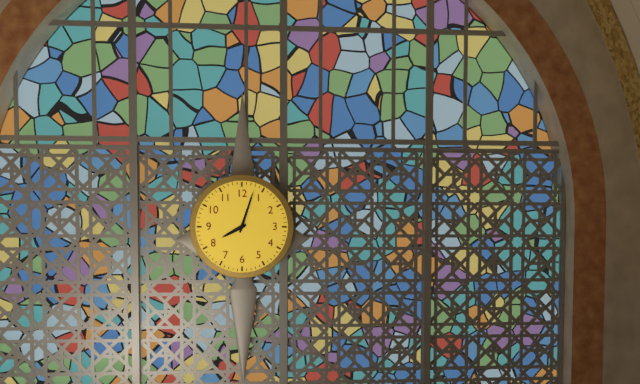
8:03
